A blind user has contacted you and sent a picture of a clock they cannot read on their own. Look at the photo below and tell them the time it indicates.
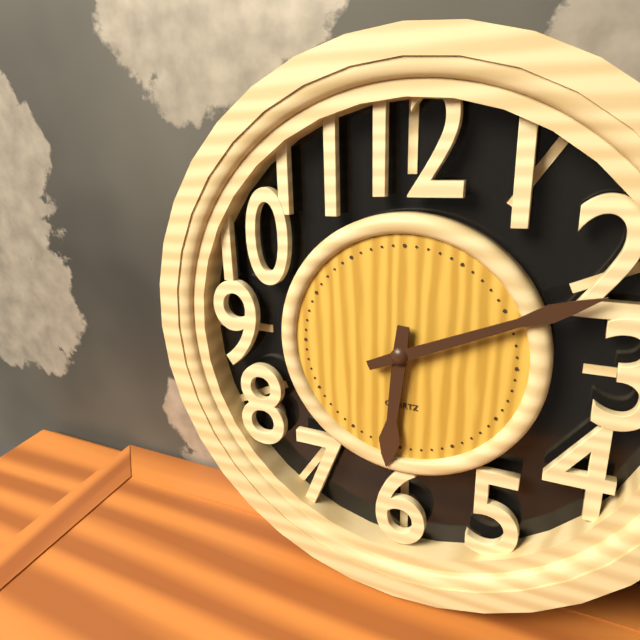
6:11
